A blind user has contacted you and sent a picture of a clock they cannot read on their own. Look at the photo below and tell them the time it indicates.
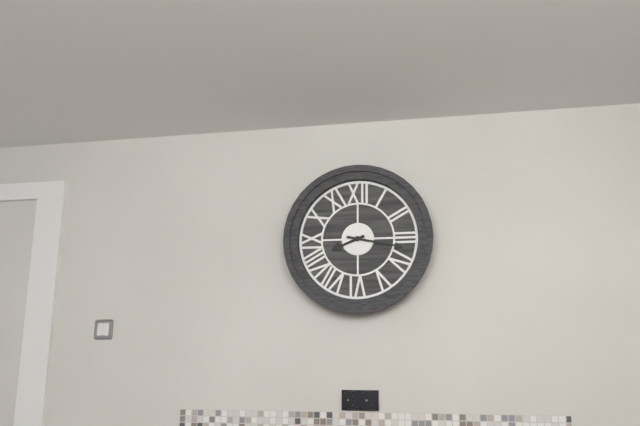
8:17
